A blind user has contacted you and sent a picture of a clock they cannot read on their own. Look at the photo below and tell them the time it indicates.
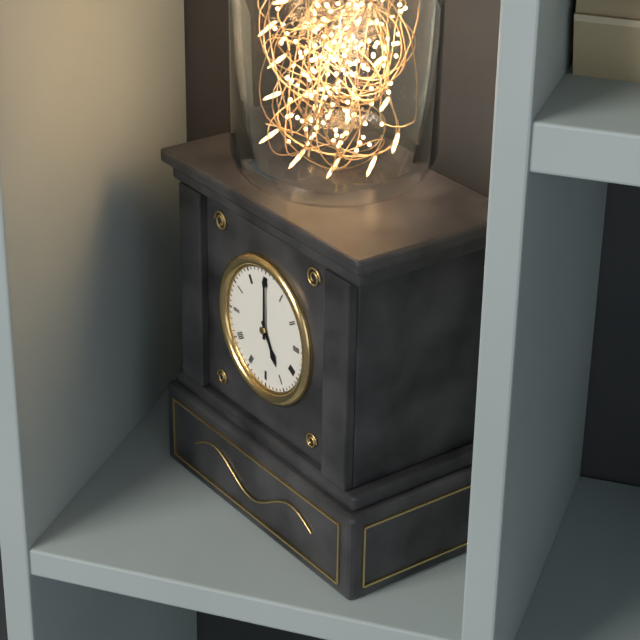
5:00
